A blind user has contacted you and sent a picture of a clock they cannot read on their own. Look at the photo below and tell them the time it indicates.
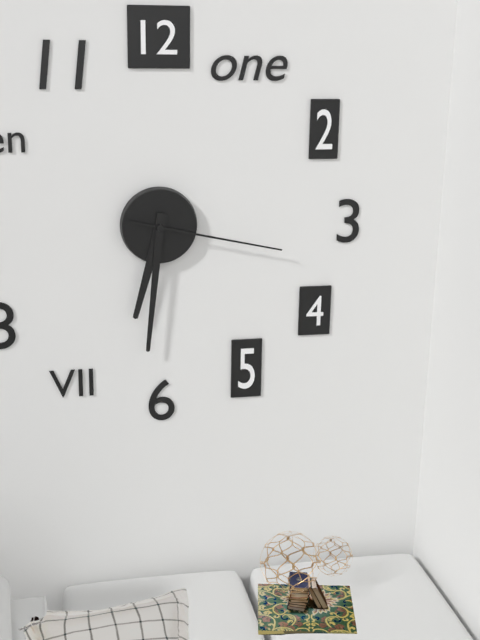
6:31:17
